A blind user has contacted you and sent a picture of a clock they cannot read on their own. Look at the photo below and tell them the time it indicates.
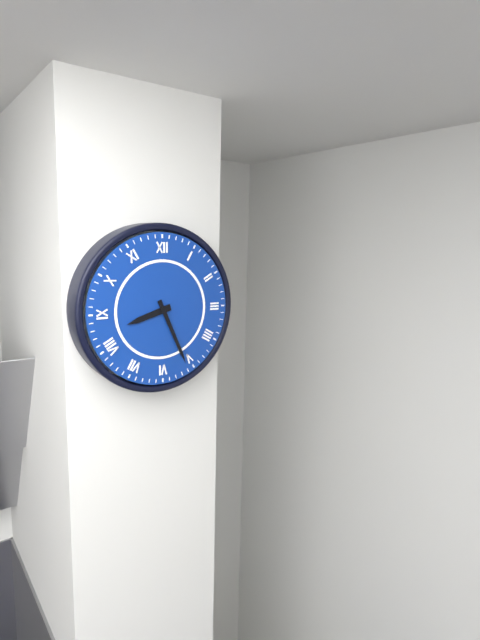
8:26
